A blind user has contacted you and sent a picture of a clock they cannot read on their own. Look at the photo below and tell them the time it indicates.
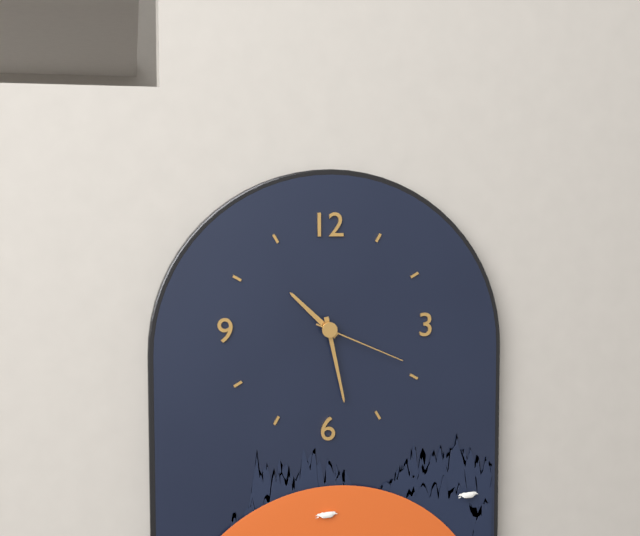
10:28:19
